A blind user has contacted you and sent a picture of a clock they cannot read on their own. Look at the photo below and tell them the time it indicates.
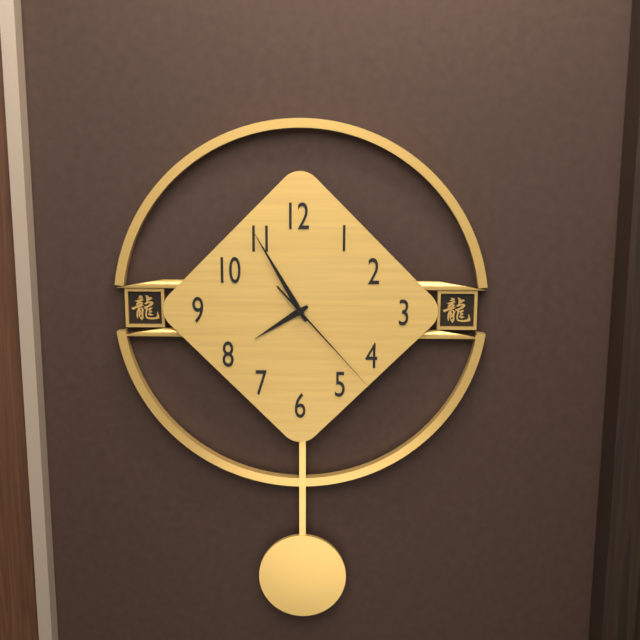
7:55:23
